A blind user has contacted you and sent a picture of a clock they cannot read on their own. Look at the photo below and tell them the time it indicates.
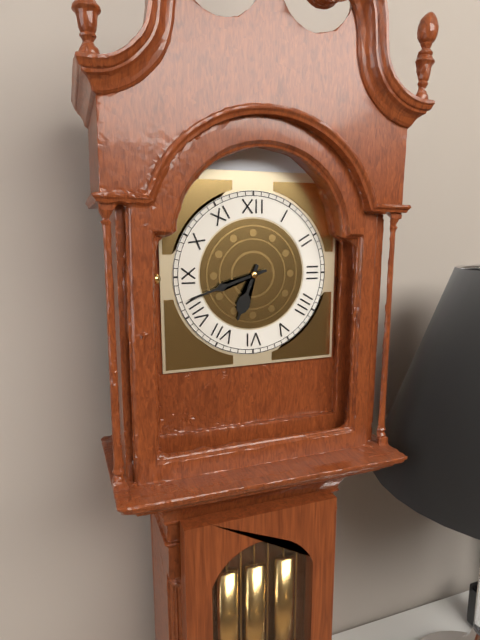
6:42
